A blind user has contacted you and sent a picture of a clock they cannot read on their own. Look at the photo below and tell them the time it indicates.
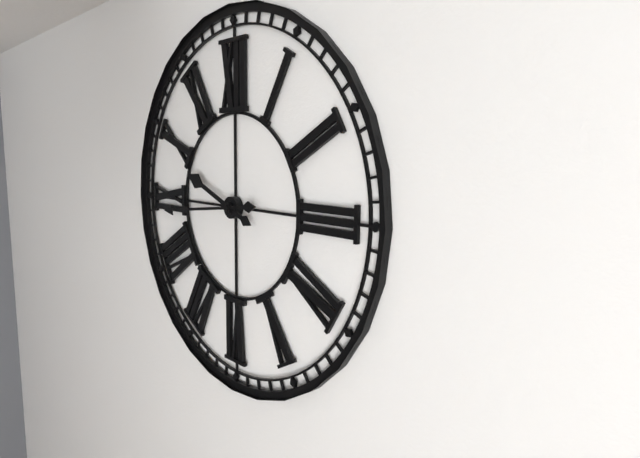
9:44
